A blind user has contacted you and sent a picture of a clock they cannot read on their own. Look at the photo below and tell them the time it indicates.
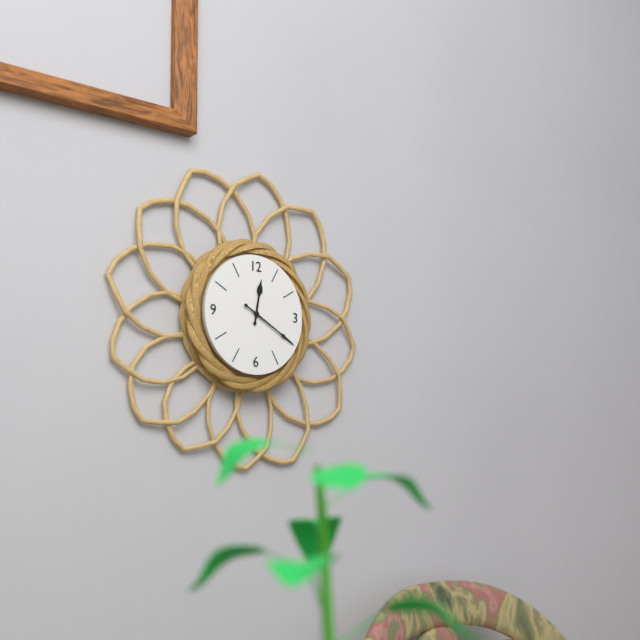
12:20
